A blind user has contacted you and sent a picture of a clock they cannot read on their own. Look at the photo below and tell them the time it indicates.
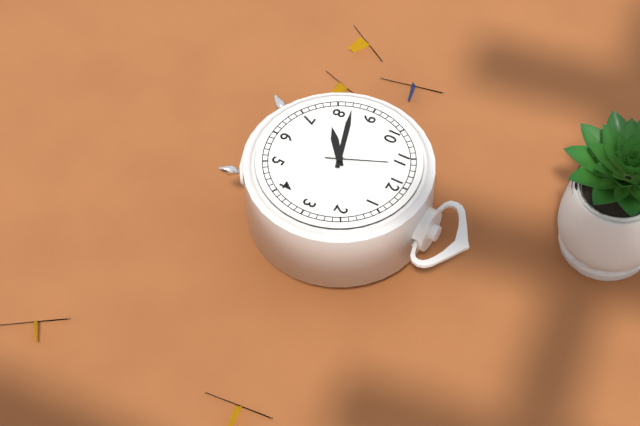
7:42:56
